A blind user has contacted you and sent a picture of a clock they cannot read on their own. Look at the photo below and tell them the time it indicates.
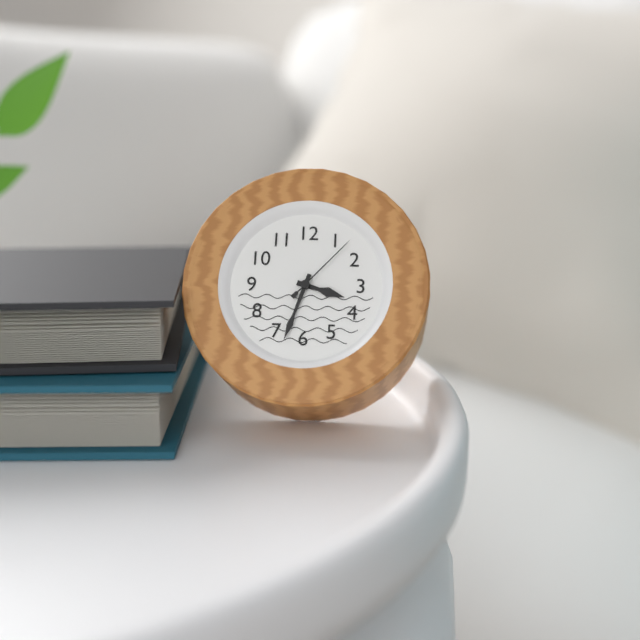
3:33:07
